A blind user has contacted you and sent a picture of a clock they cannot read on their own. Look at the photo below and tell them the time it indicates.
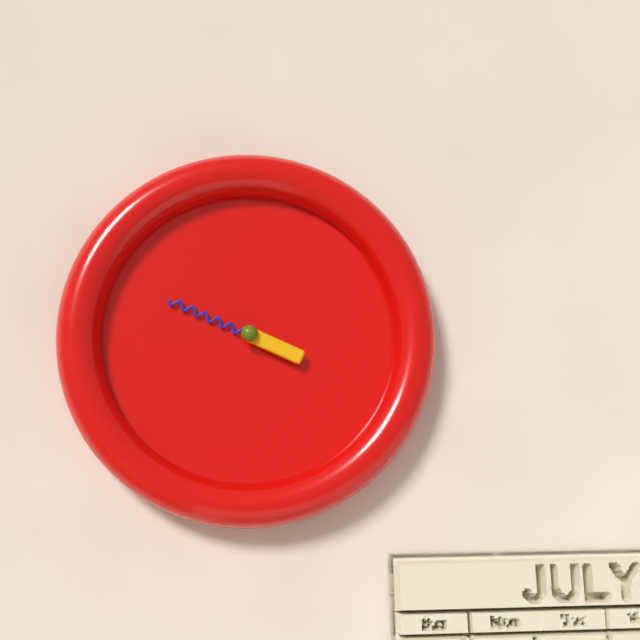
3:49
